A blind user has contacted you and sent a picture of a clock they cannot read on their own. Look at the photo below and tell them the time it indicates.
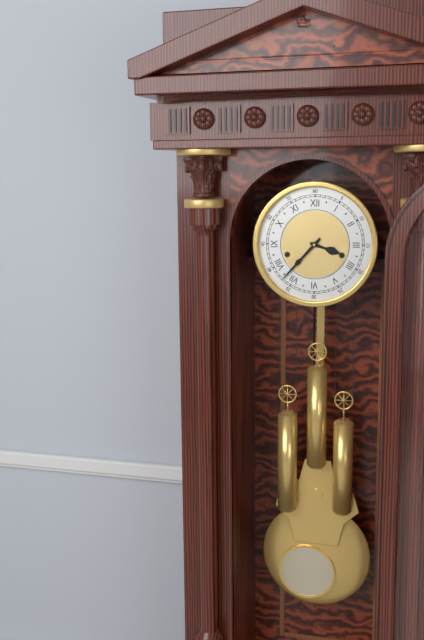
3:37
